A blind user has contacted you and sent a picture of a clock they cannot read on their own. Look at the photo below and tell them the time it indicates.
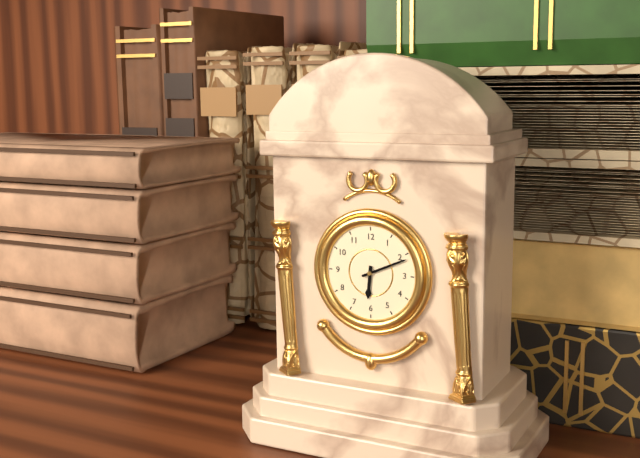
6:11
